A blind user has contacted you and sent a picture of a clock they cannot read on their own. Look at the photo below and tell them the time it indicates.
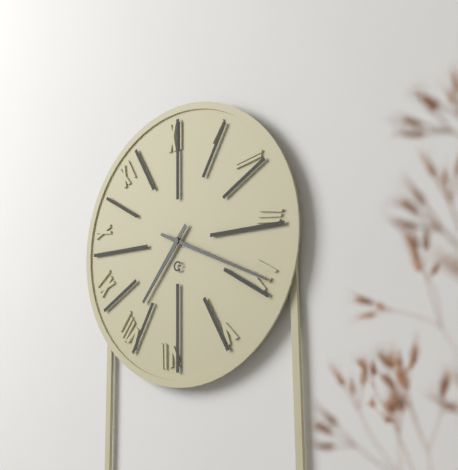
7:19
